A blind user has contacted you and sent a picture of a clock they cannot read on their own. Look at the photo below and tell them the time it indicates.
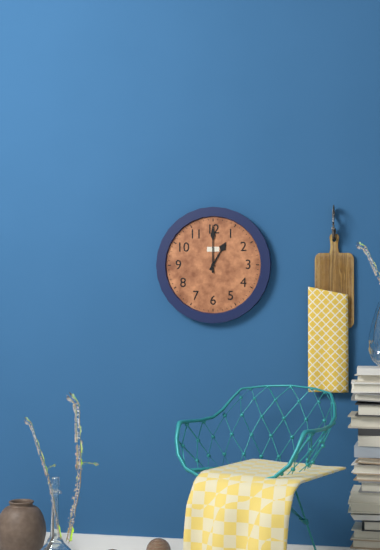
1:00
